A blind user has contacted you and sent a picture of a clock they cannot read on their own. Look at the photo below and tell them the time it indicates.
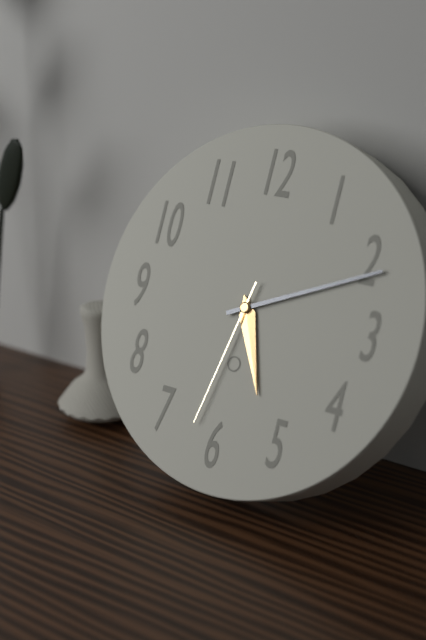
5:11:32
